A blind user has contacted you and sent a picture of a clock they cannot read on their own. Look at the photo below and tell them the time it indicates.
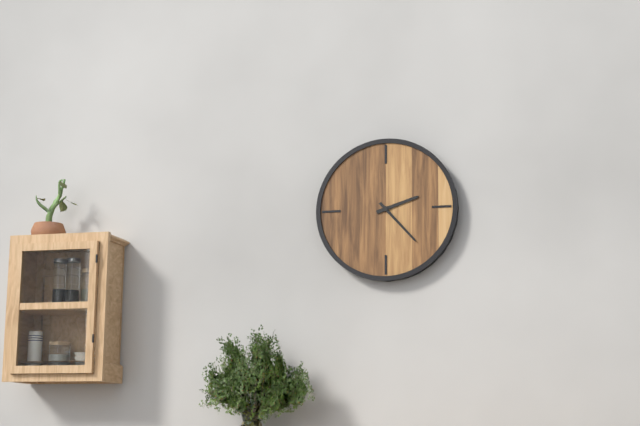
2:23
